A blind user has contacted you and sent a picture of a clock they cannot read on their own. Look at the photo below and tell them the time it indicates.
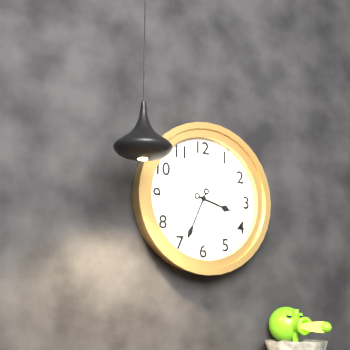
3:34
